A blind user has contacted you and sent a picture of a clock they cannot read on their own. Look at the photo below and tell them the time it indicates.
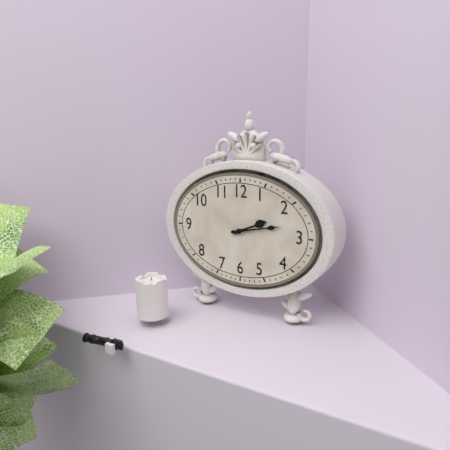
2:13
